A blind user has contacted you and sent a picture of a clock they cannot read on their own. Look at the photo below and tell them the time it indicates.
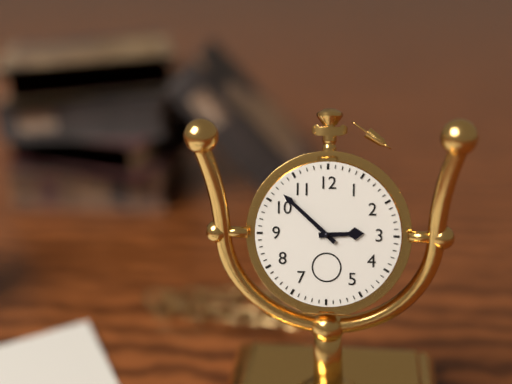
2:52
